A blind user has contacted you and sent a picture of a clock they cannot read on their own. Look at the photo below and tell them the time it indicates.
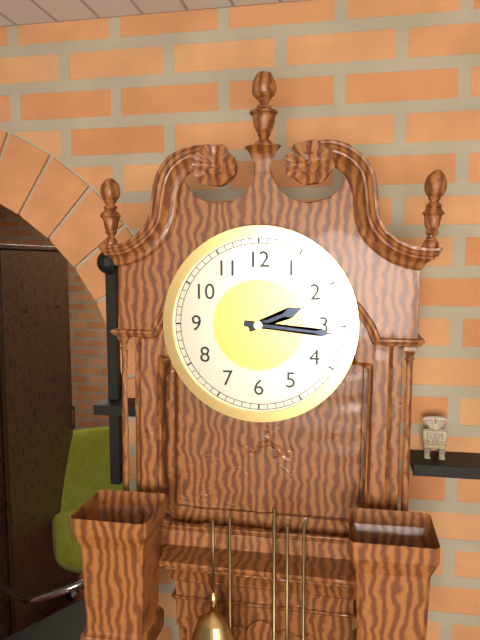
2:16
